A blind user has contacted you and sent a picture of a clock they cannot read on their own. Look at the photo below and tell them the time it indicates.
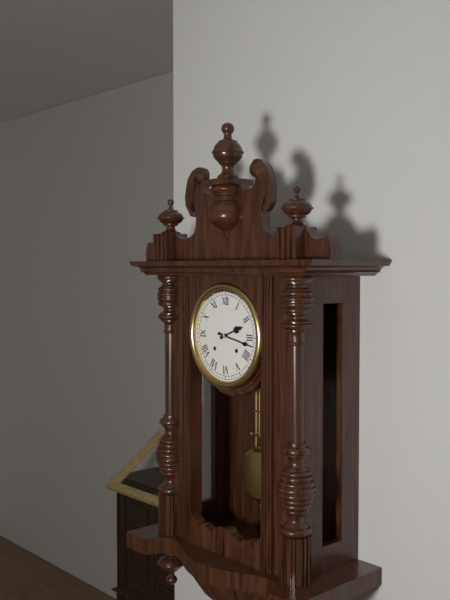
2:17
